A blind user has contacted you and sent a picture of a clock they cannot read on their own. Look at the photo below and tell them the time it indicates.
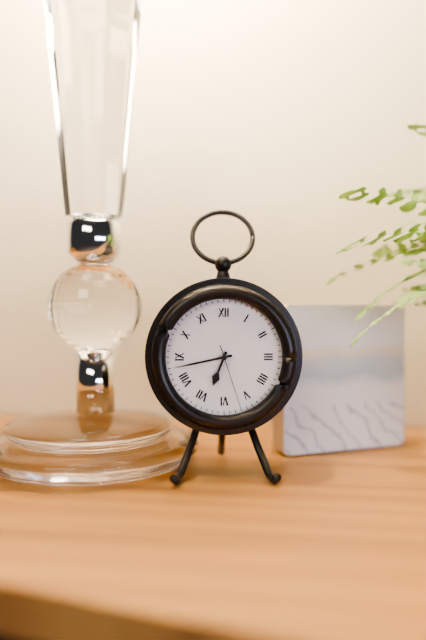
6:43:27
